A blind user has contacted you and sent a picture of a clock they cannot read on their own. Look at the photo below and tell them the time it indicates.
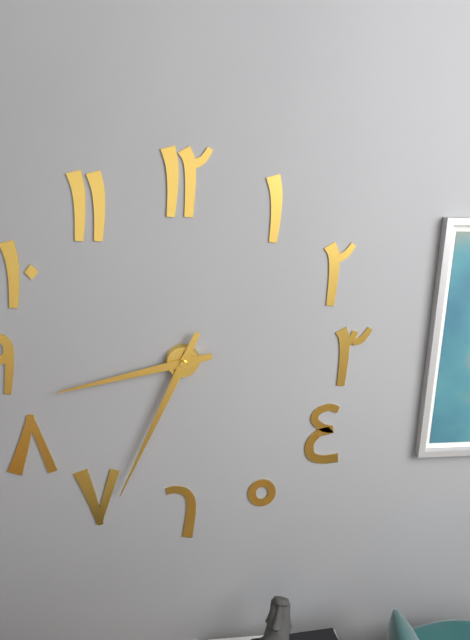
8:34
